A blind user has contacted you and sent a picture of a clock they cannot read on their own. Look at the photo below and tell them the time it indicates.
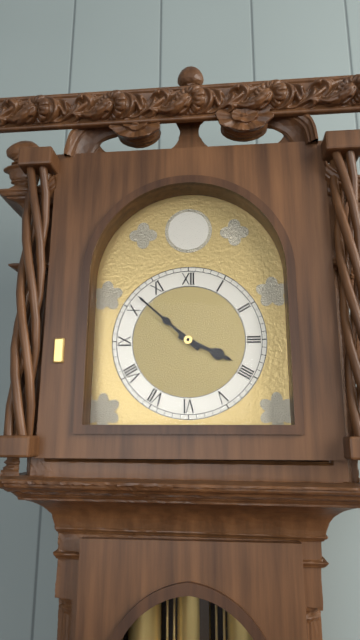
3:52
